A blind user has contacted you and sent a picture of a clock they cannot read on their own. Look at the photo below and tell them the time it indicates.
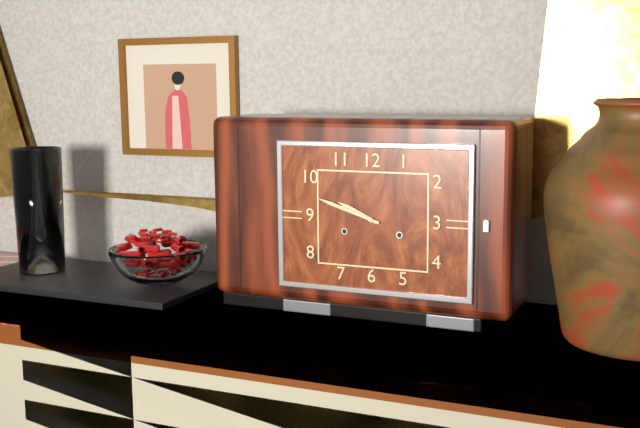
9:48
